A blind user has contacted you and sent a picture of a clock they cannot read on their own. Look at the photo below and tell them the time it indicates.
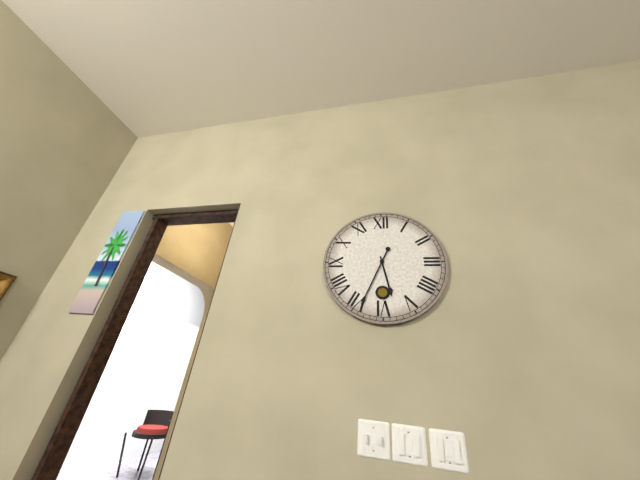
5:34
